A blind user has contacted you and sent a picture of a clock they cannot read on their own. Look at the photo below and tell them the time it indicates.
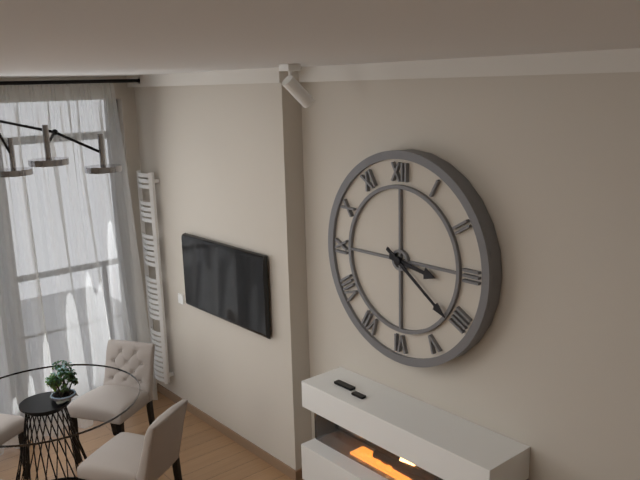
3:21
